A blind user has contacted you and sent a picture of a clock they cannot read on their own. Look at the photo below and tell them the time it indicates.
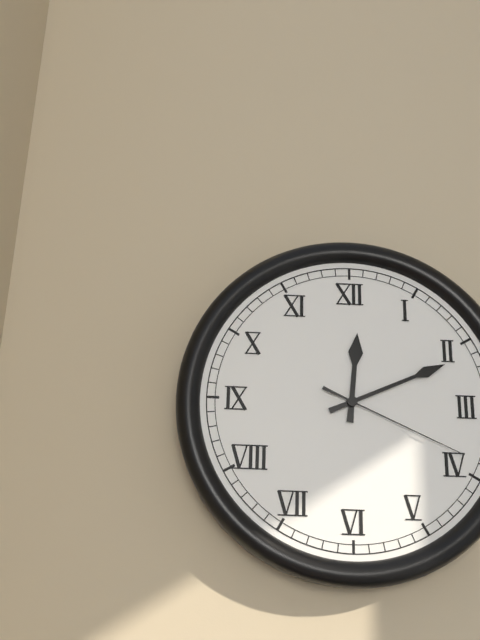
12:11:19
